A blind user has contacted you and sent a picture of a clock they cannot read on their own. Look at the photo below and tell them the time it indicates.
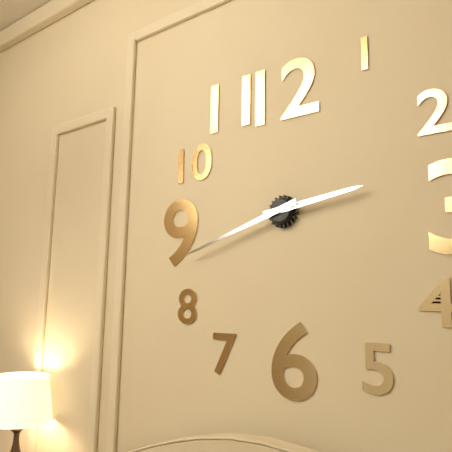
2:42
